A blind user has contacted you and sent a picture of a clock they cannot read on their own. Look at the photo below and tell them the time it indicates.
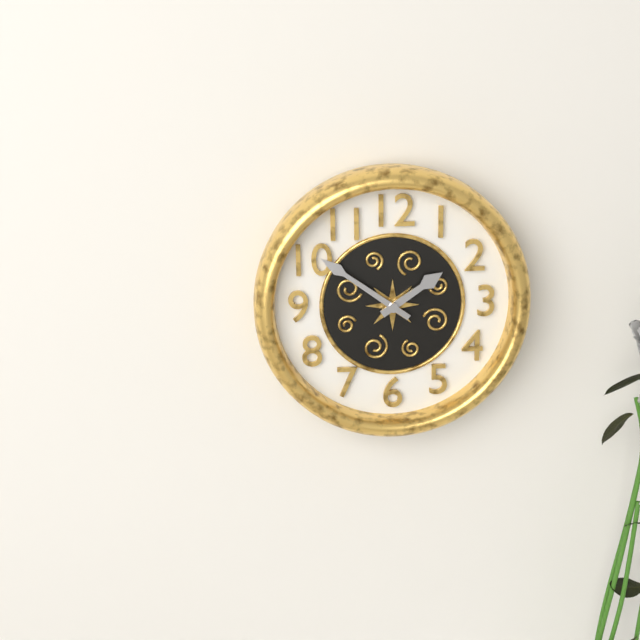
1:51
